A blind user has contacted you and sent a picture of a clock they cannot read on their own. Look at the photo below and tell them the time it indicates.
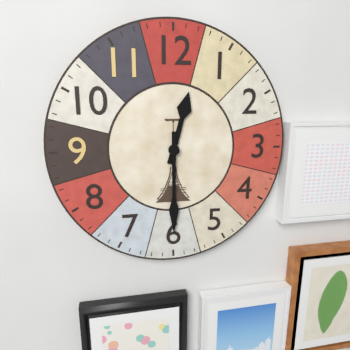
12:30
